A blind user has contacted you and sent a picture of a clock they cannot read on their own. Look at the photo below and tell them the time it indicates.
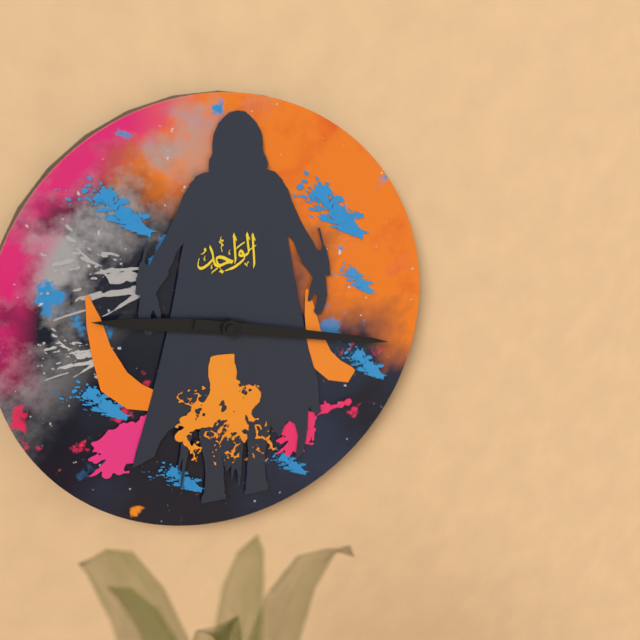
9:17
